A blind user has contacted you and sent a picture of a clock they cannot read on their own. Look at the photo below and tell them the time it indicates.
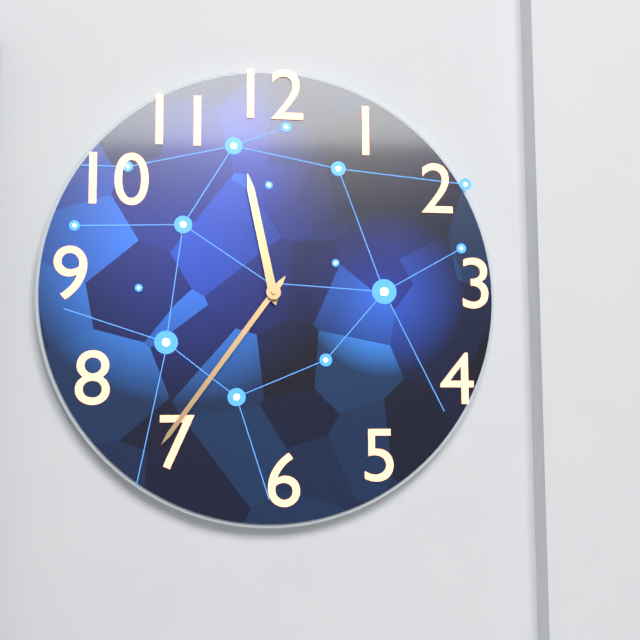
11:36
